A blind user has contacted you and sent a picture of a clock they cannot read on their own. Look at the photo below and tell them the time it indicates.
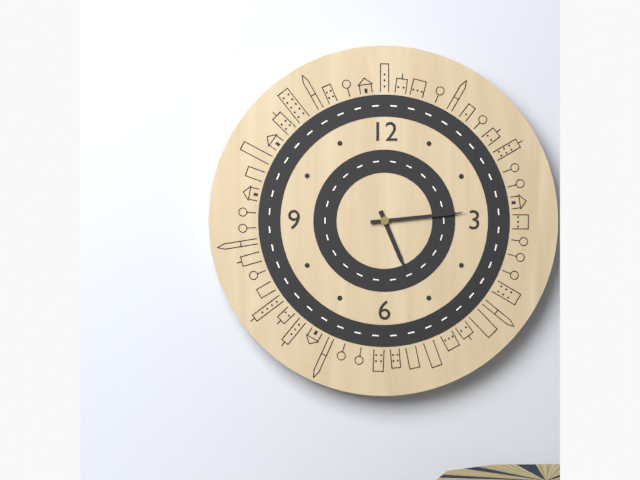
5:14
